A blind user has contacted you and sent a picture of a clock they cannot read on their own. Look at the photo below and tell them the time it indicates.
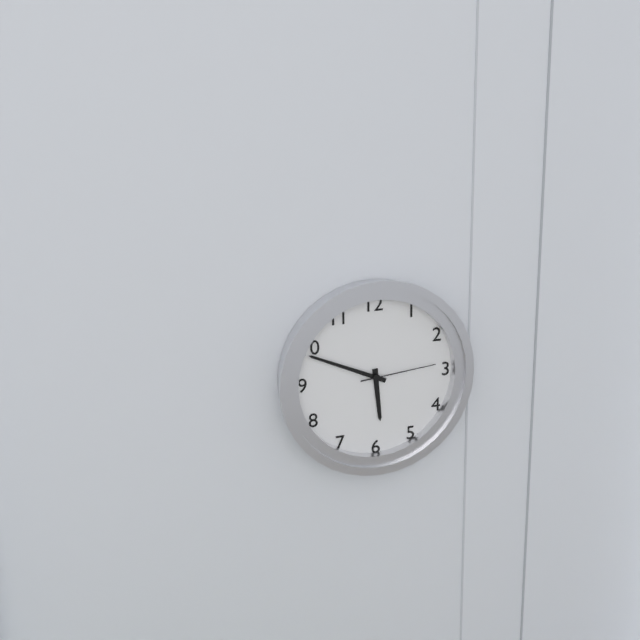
5:49:14
